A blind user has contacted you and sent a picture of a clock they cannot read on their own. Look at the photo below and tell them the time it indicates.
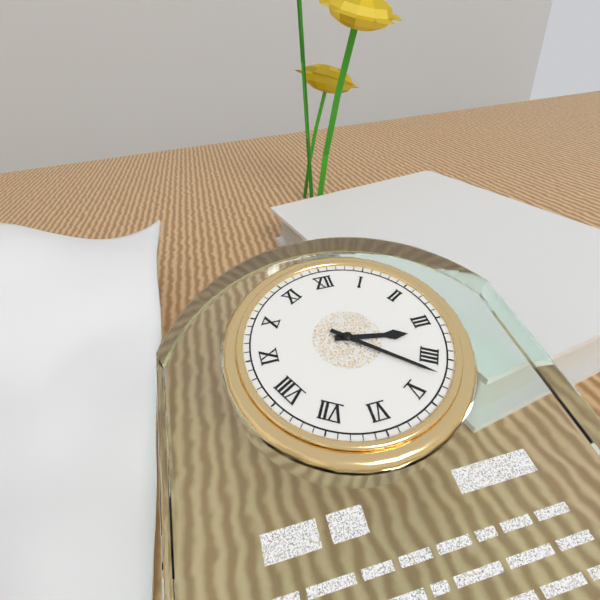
3:22
